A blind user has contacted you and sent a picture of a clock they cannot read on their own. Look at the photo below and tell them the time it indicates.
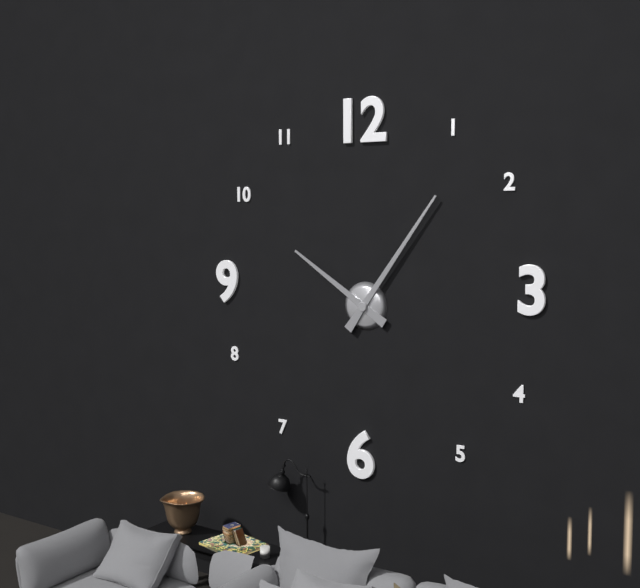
10:06
